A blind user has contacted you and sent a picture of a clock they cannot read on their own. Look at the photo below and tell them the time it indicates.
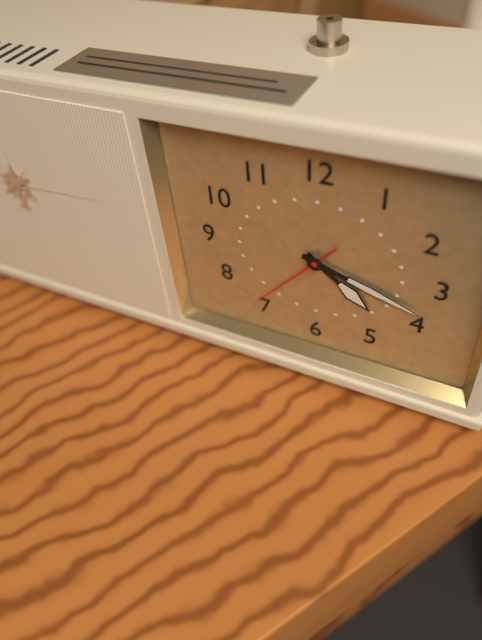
4:18:37
